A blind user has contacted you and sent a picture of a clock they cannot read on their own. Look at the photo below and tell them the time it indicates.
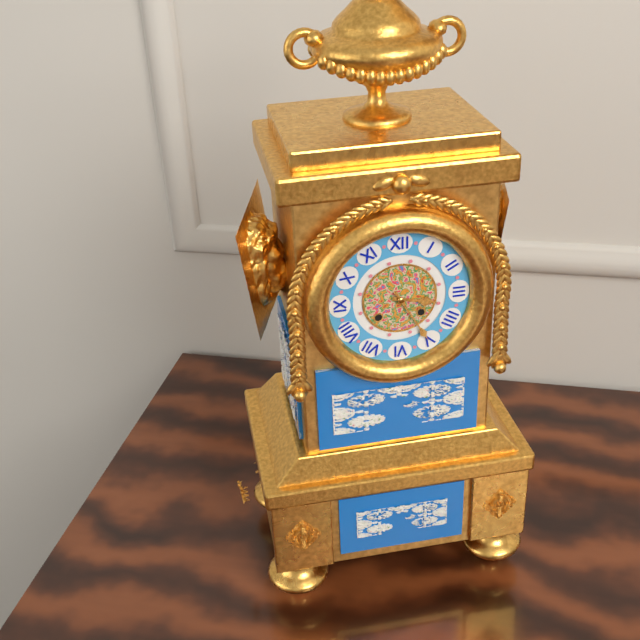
3:25
